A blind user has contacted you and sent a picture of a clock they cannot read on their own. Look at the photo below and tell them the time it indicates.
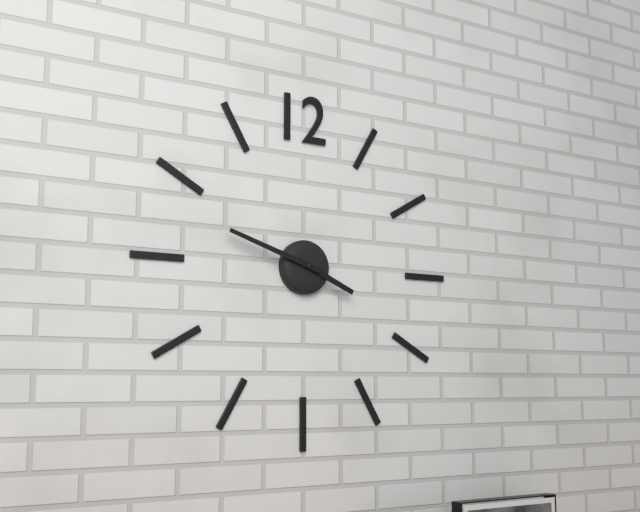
3:48
